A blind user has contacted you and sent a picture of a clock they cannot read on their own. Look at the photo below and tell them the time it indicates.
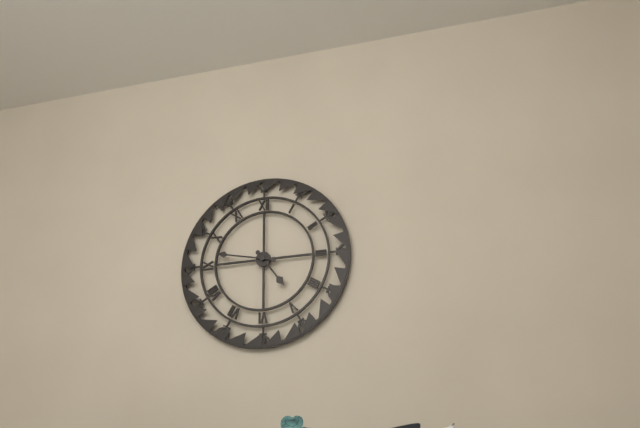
4:47
